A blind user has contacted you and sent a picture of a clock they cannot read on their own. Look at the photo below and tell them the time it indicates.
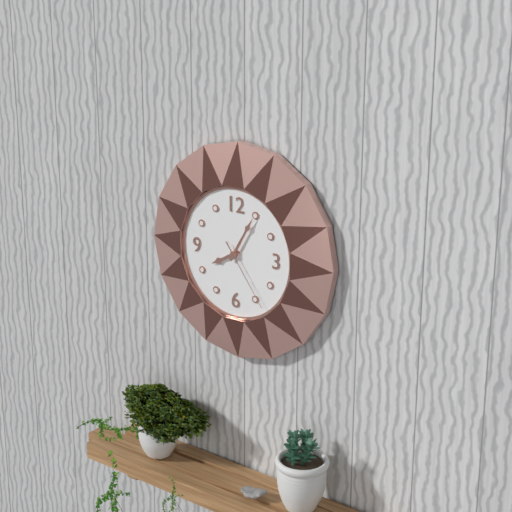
8:05:24
